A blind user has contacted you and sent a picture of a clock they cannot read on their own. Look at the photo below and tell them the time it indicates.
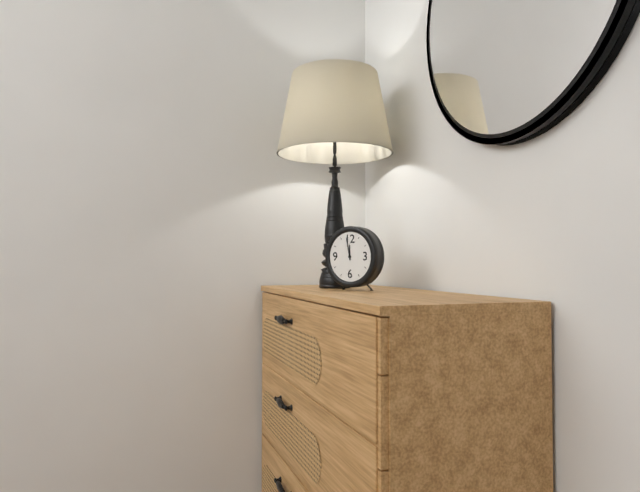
11:58
